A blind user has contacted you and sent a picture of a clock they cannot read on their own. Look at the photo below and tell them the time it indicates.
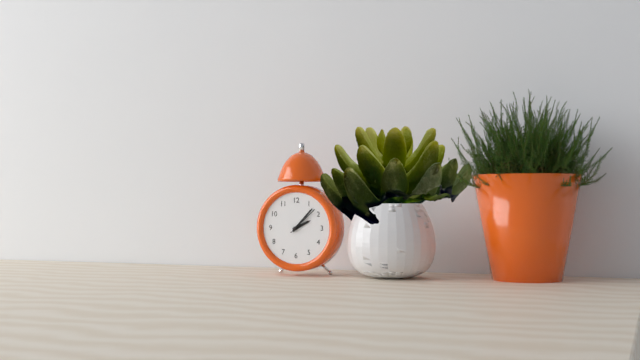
2:07
